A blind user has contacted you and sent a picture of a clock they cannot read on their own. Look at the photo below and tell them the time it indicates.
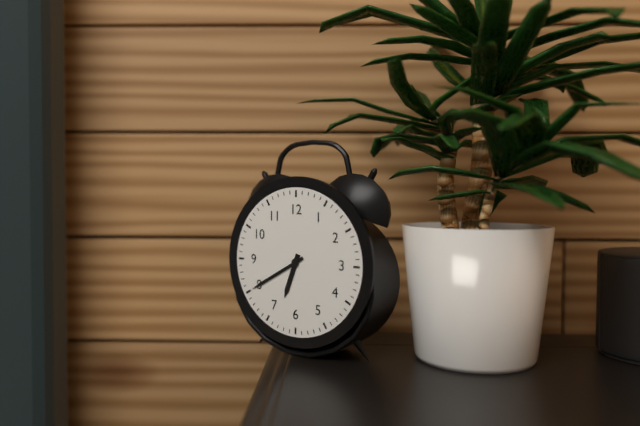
6:40
